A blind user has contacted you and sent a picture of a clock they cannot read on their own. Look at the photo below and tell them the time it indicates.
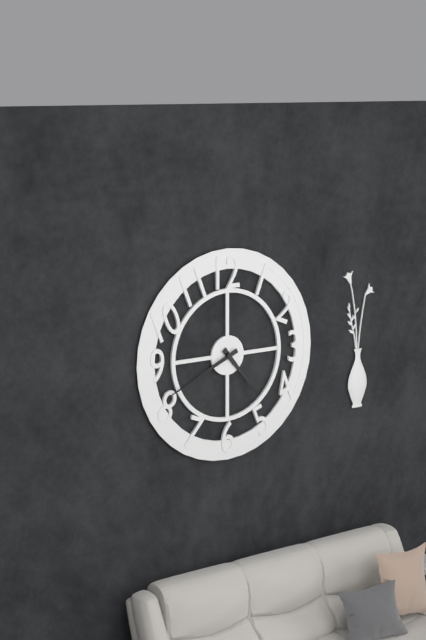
4:41
